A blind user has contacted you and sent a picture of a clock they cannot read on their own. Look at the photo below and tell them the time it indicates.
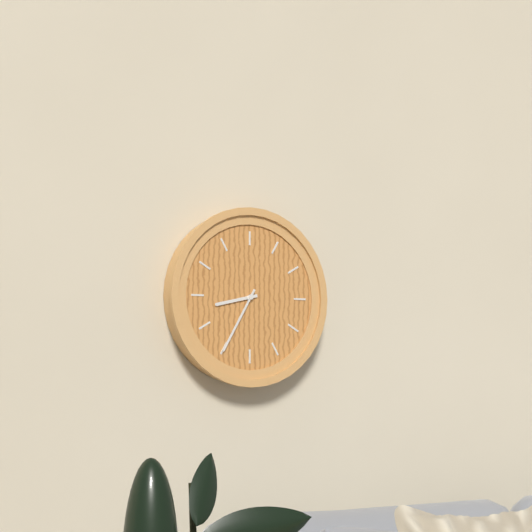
8:35
